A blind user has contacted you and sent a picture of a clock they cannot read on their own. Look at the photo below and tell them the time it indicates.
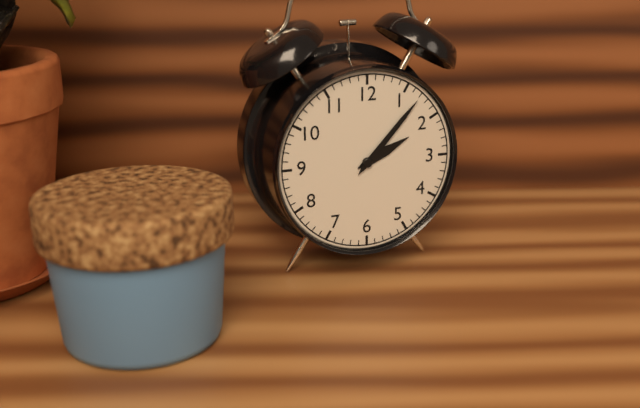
2:07
